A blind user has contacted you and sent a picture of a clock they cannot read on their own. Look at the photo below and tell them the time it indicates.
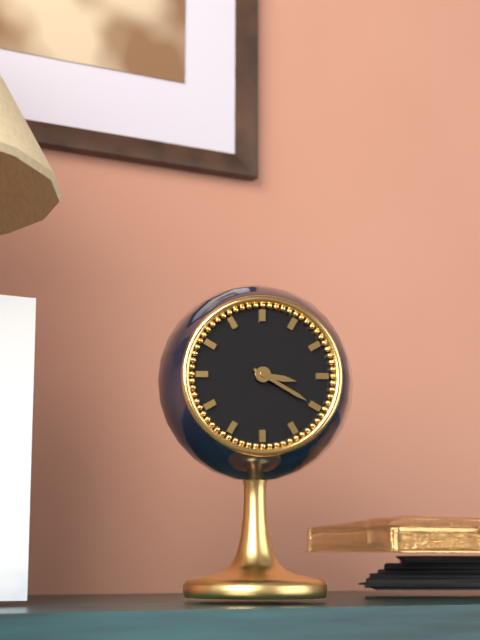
3:20
